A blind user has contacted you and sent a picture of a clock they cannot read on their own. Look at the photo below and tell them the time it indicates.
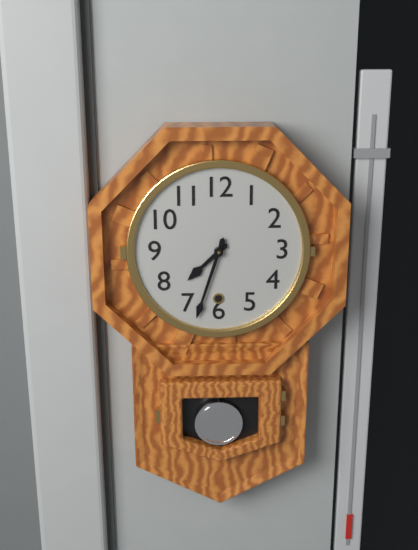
7:33
